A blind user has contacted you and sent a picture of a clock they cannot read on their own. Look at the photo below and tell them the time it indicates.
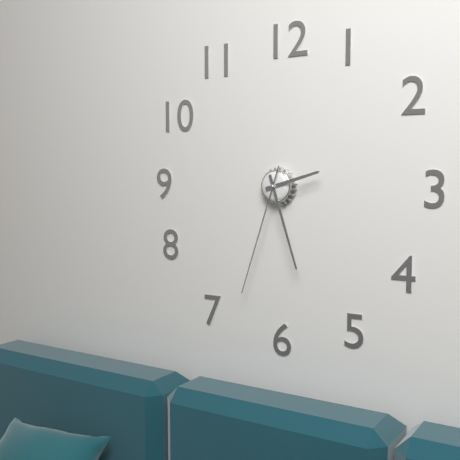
2:27:33
